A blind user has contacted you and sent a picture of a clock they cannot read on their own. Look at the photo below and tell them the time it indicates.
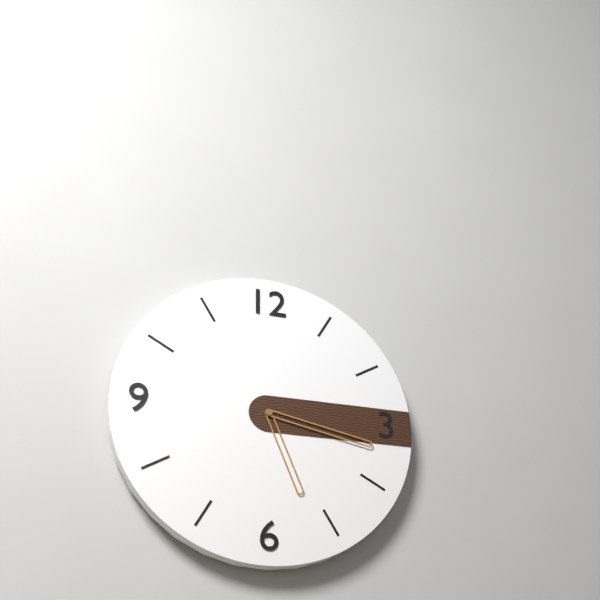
5:17
